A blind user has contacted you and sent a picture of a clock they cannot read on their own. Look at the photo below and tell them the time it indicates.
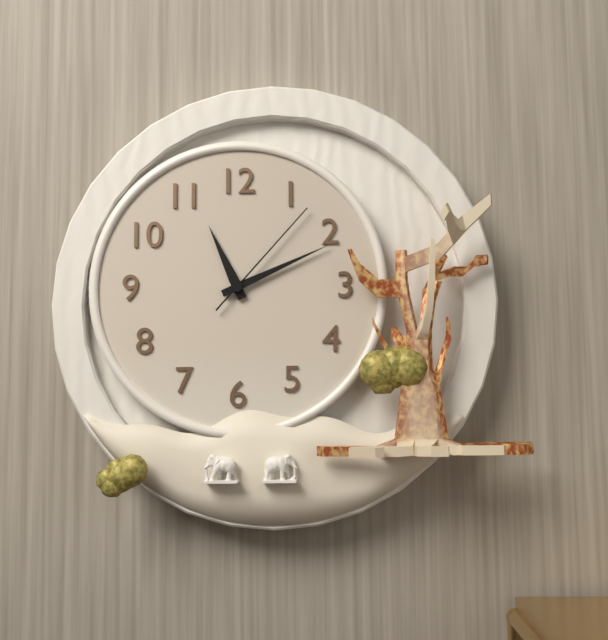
11:11:07
